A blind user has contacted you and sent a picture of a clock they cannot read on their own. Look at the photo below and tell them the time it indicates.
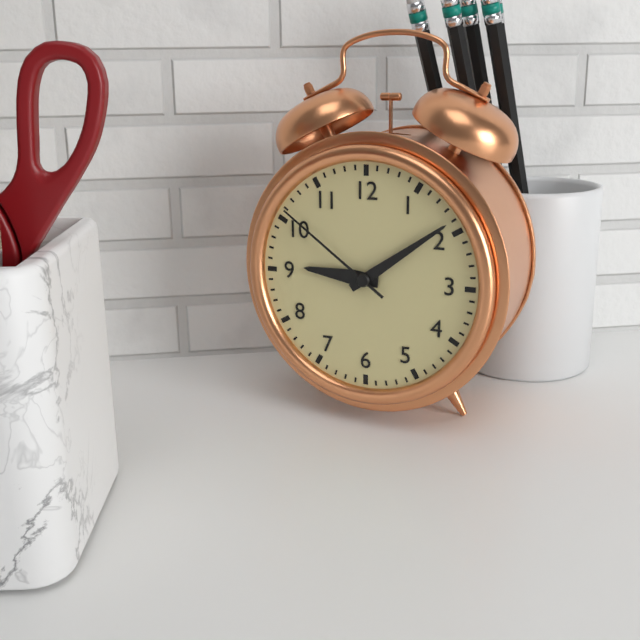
9:09:51
